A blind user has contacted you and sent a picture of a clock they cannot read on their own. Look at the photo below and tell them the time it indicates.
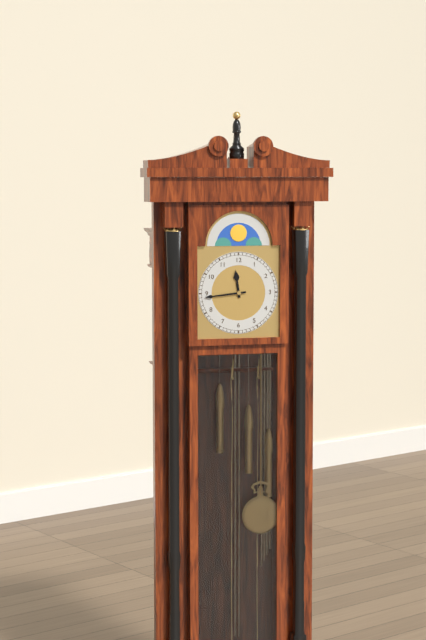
11:44
